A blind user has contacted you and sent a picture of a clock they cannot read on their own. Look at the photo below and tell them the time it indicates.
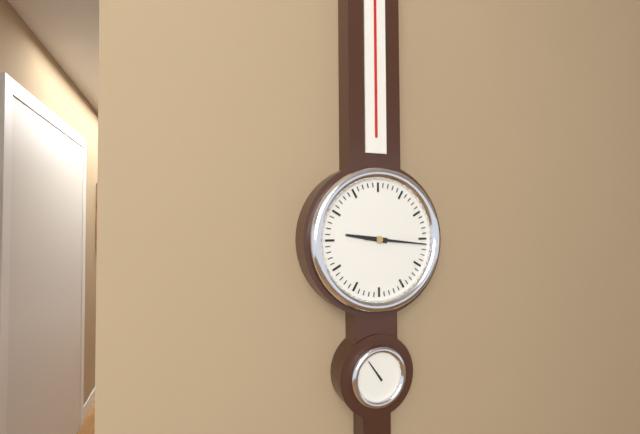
9:16
